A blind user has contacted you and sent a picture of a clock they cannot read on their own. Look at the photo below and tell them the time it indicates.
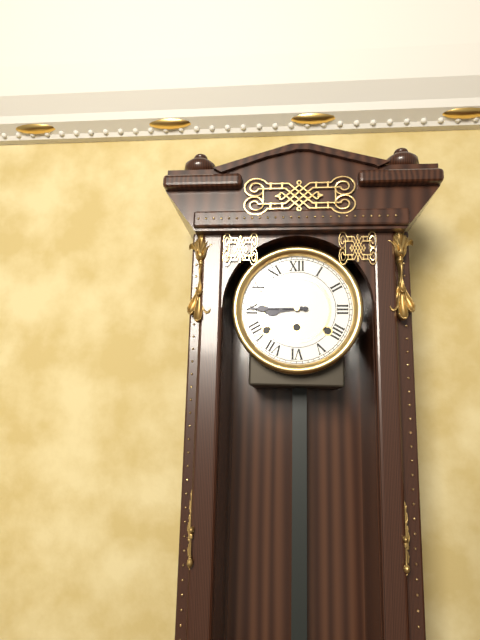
8:45
